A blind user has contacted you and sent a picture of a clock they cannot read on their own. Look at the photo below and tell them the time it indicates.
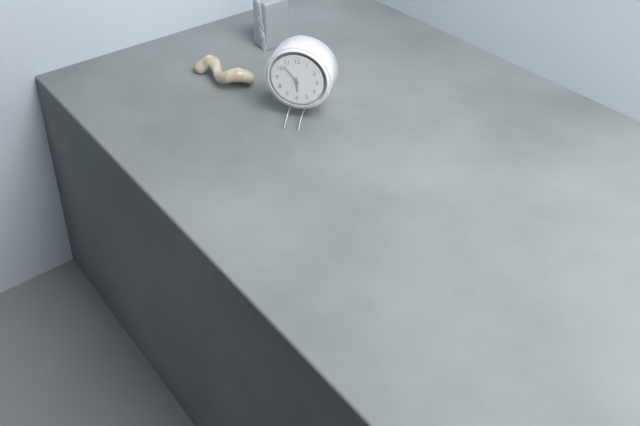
5:53
